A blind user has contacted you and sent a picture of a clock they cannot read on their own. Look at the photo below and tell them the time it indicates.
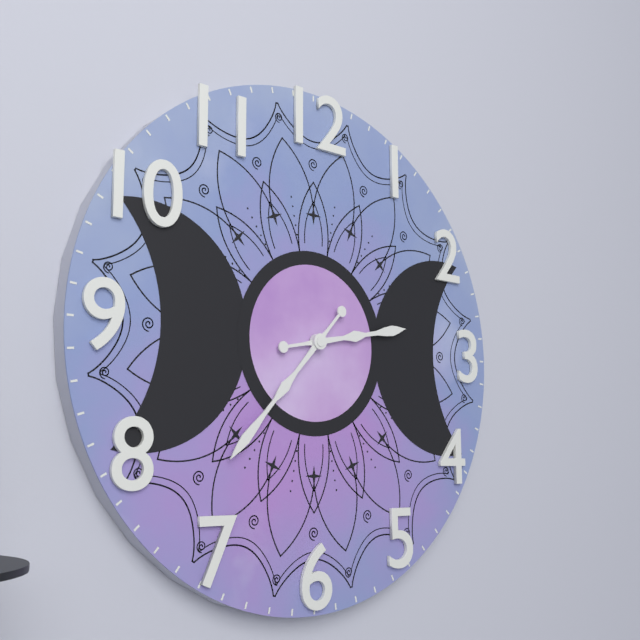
2:37
